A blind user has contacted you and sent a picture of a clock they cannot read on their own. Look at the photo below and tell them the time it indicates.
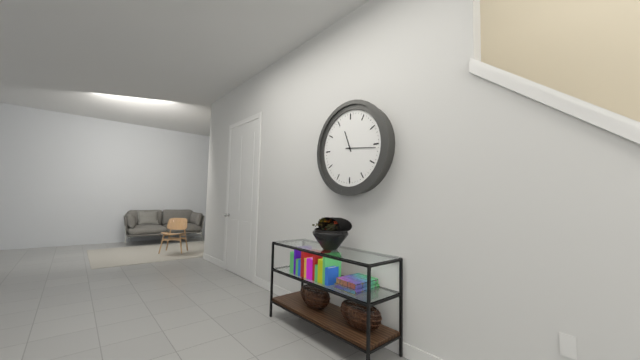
11:16
